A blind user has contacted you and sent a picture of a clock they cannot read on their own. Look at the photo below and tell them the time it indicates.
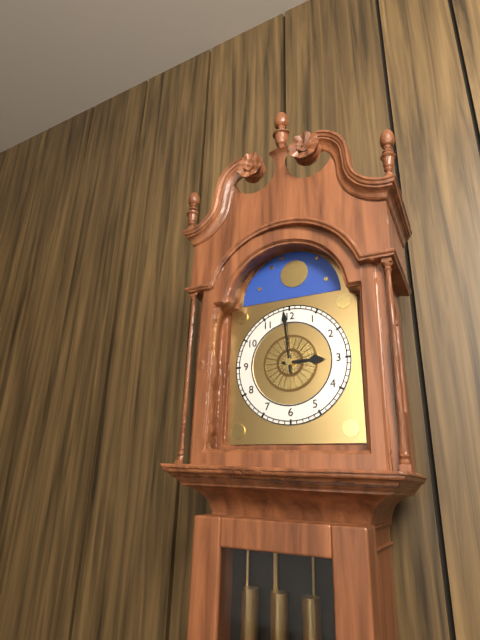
2:59
